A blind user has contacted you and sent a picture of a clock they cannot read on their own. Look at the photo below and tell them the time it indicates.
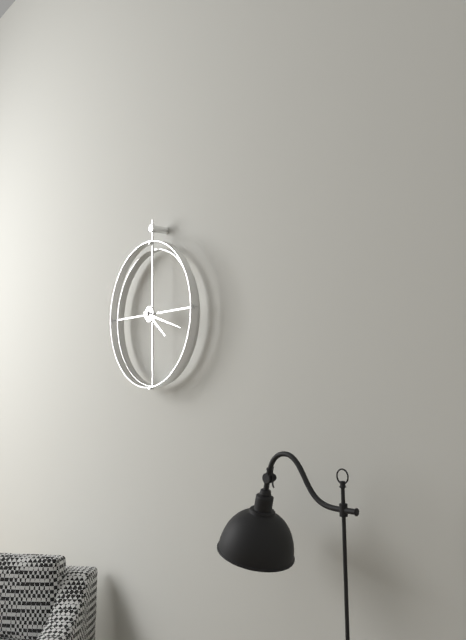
4:18
